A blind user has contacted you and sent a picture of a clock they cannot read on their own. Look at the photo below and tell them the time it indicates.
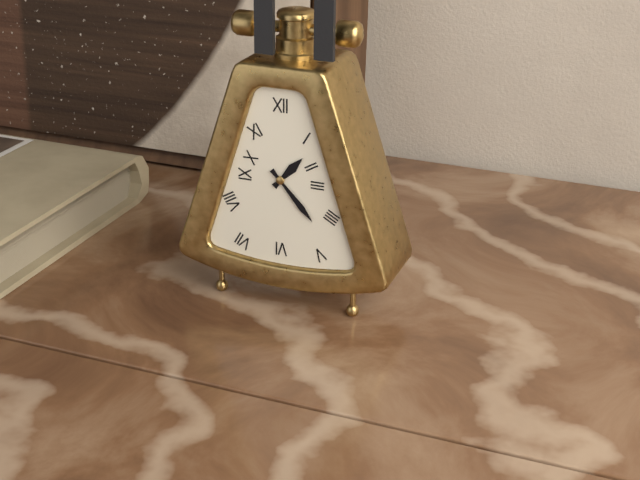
1:23
